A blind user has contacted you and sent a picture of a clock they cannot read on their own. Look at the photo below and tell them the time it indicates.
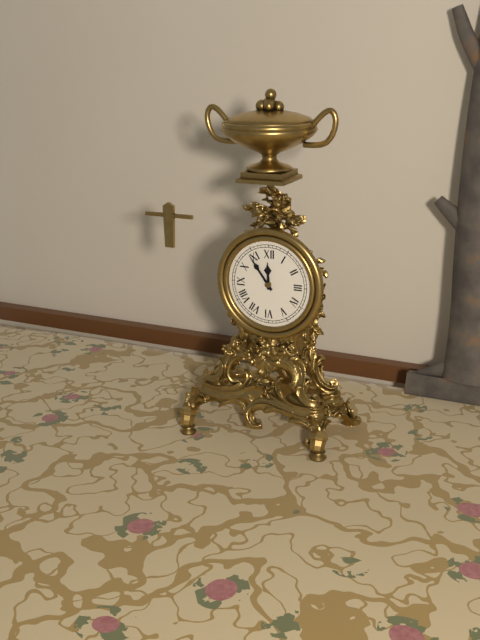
11:54
